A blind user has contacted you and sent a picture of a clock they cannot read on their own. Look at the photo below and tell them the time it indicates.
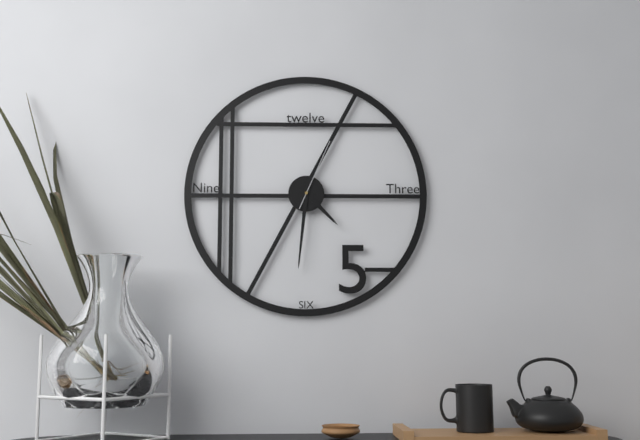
4:31:04
